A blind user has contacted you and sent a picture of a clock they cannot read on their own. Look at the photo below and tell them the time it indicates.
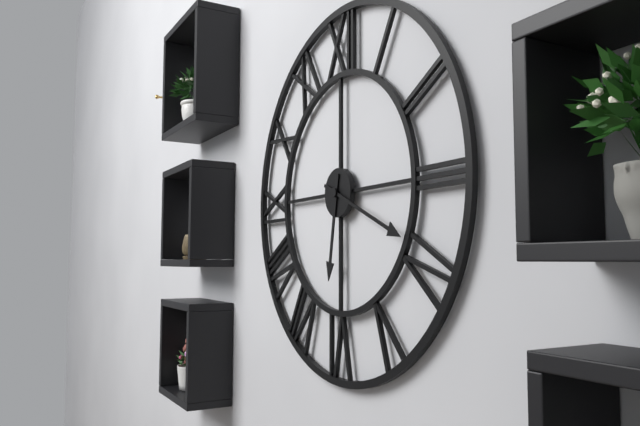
6:19
